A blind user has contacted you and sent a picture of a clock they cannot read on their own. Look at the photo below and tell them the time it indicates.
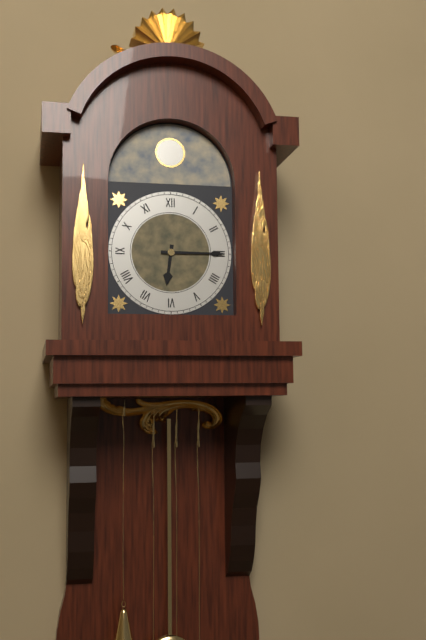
6:15
